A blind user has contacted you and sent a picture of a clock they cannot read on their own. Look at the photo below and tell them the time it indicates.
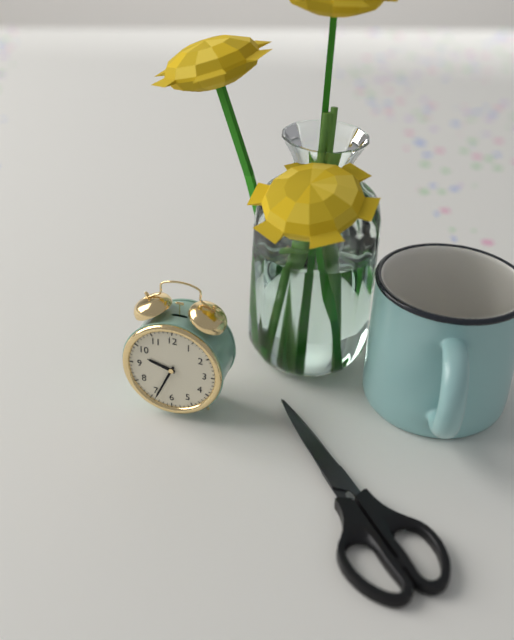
9:34
